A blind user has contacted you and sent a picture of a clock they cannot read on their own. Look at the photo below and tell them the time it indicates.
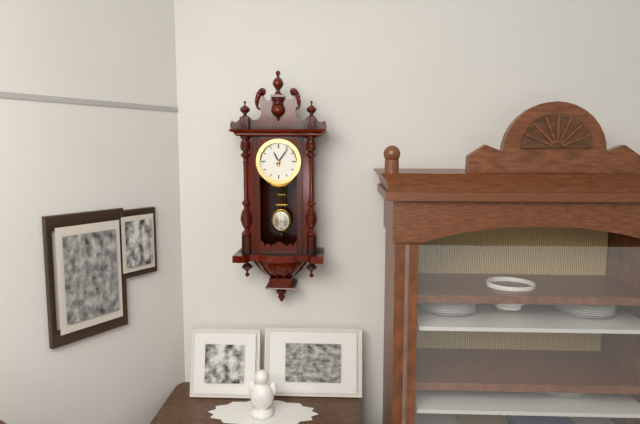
11:06
